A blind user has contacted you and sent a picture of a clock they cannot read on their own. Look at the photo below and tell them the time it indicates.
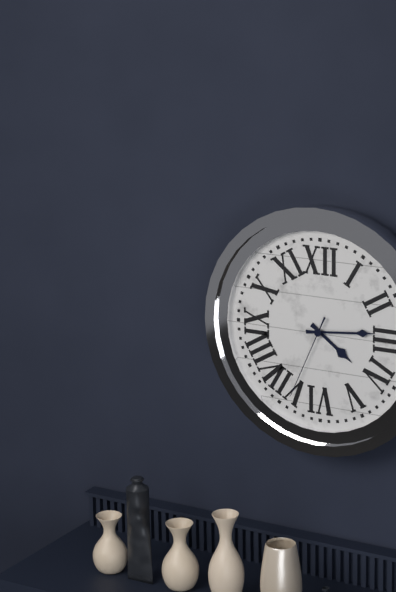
4:14:34
